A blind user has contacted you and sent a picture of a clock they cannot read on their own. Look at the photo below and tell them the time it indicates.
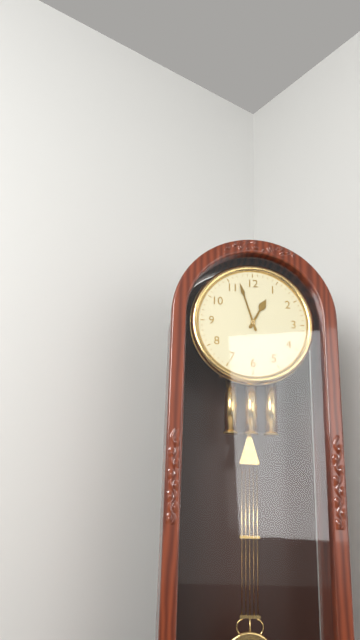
12:57
